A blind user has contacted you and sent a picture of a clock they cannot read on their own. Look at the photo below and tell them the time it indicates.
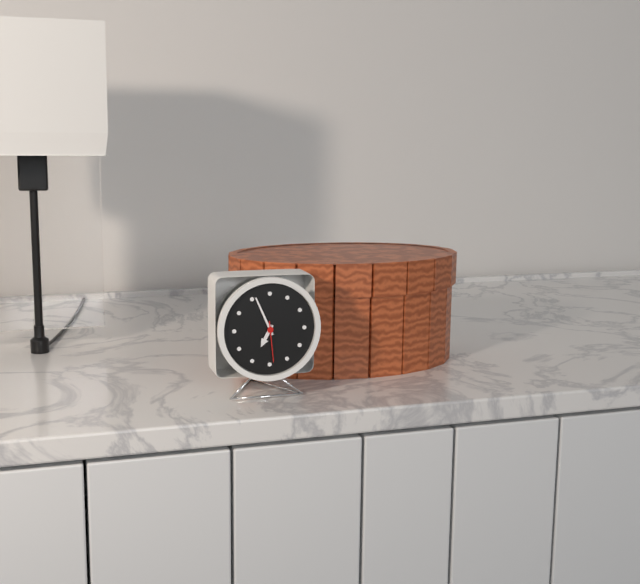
6:56
